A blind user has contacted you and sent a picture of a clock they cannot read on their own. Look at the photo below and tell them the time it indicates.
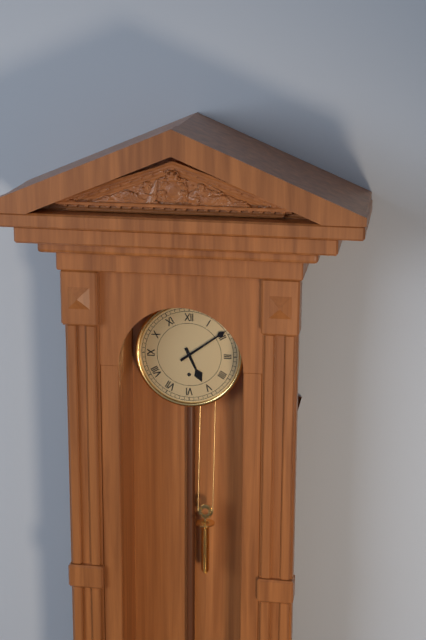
5:09
